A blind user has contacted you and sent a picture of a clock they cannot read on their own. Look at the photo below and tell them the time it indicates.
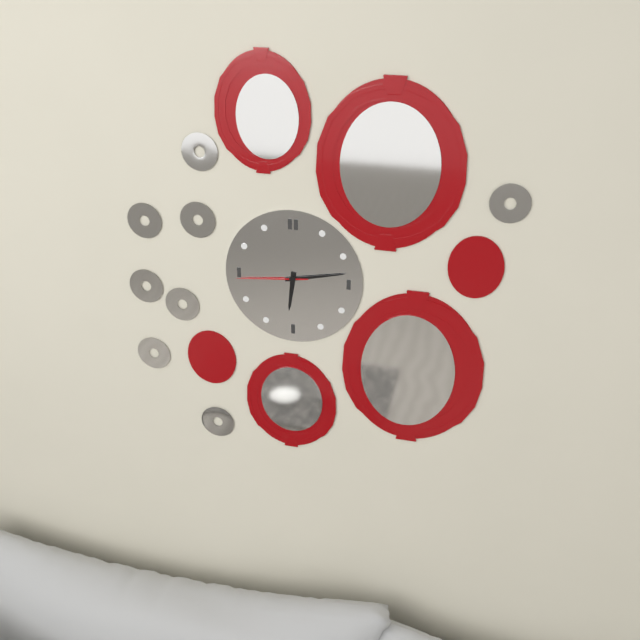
6:13:44
